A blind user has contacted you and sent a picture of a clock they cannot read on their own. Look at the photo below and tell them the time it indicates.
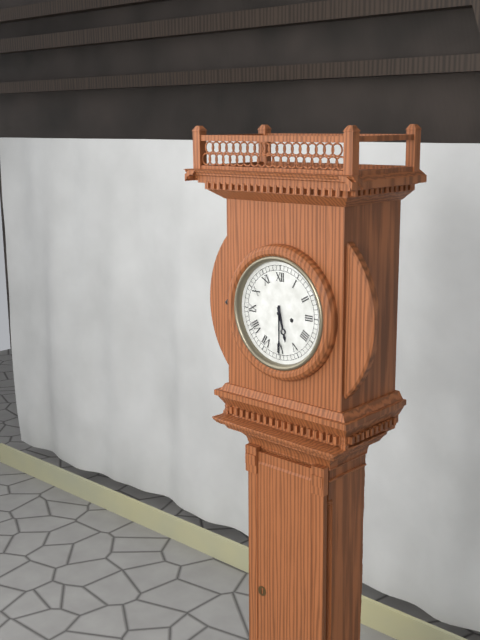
5:30
